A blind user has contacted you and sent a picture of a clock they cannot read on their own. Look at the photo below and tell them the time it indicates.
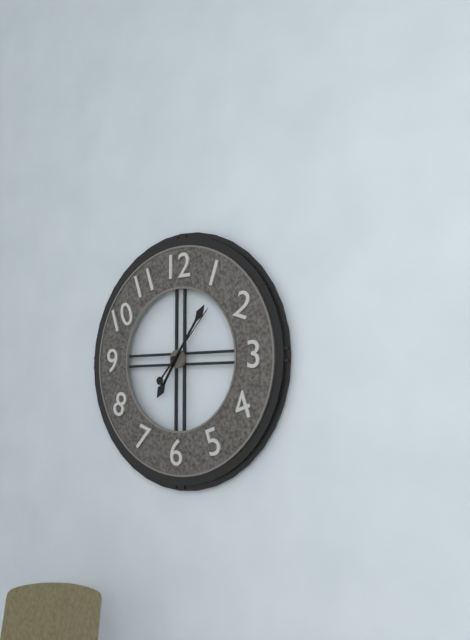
7:06:07
